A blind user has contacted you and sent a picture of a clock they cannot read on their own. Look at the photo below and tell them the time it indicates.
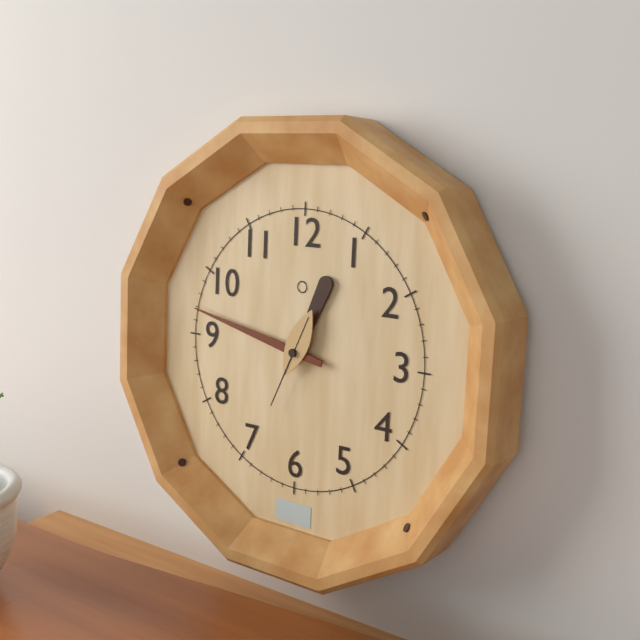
12:47:34
